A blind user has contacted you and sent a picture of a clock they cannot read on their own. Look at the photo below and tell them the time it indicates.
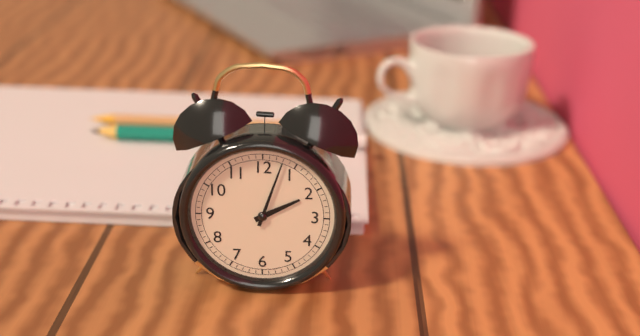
2:03
